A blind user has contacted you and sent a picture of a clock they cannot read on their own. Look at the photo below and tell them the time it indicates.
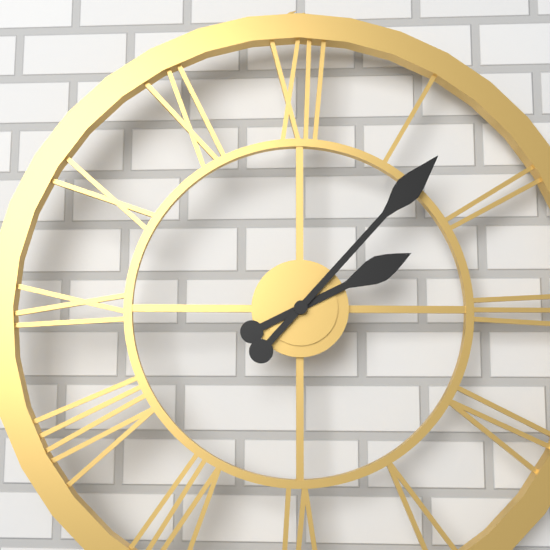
2:07
